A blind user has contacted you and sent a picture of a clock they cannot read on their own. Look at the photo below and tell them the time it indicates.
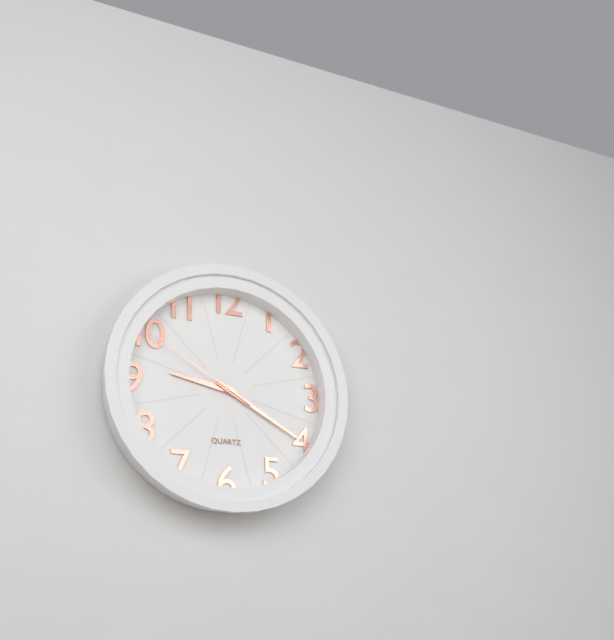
9:20:50
